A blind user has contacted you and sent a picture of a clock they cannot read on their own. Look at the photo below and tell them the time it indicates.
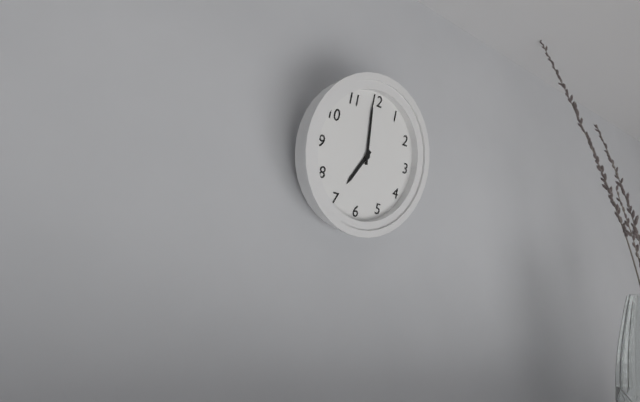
6:59
